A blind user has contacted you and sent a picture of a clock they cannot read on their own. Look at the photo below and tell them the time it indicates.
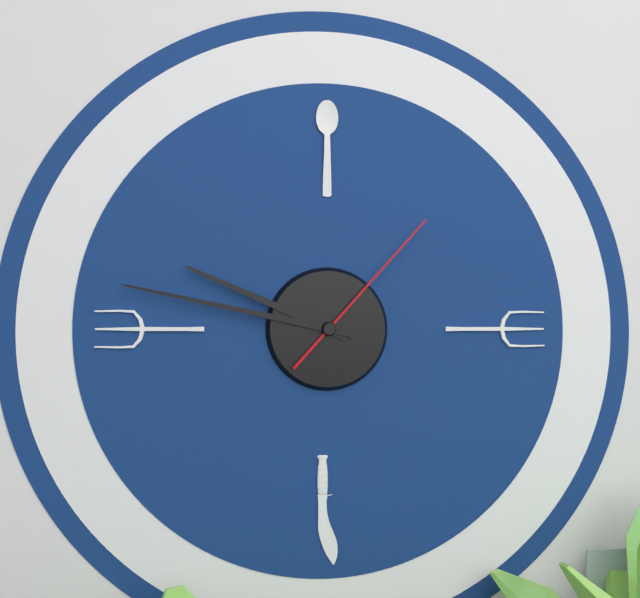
9:47:07
